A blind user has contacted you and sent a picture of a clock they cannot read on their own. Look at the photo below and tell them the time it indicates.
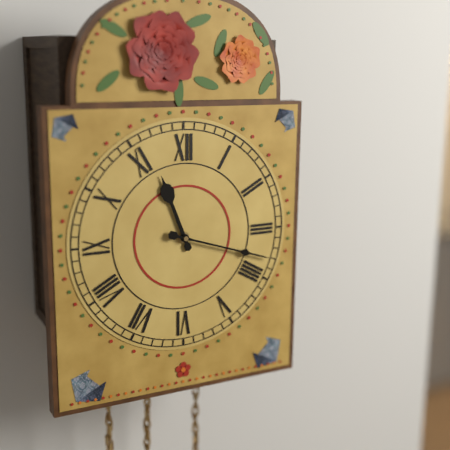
11:18
